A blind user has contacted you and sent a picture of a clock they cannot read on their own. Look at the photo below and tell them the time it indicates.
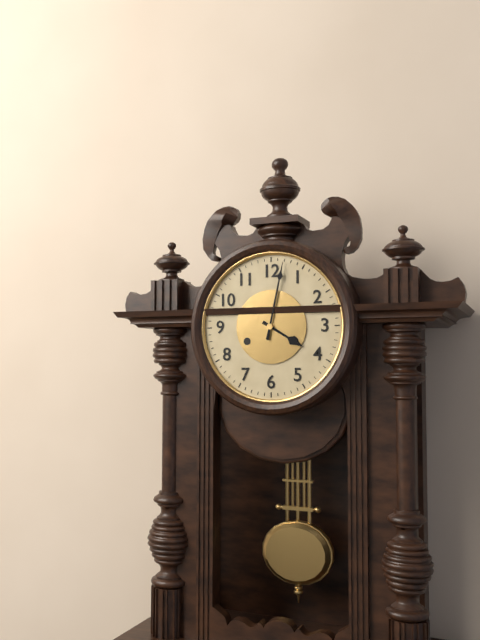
4:02
